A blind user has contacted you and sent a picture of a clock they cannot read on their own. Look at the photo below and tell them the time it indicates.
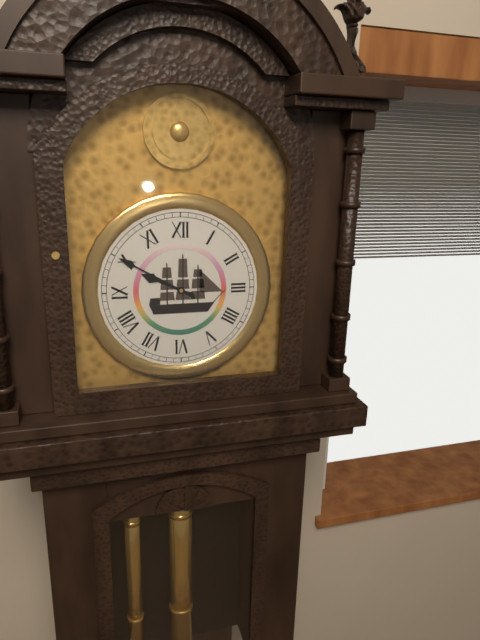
9:50
